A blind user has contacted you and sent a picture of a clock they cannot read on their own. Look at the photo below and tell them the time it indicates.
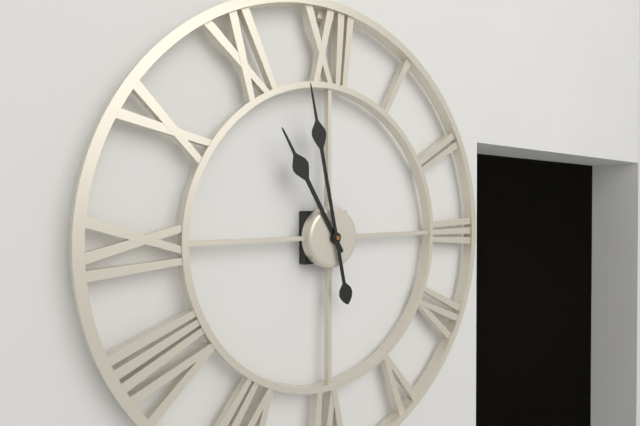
10:58
